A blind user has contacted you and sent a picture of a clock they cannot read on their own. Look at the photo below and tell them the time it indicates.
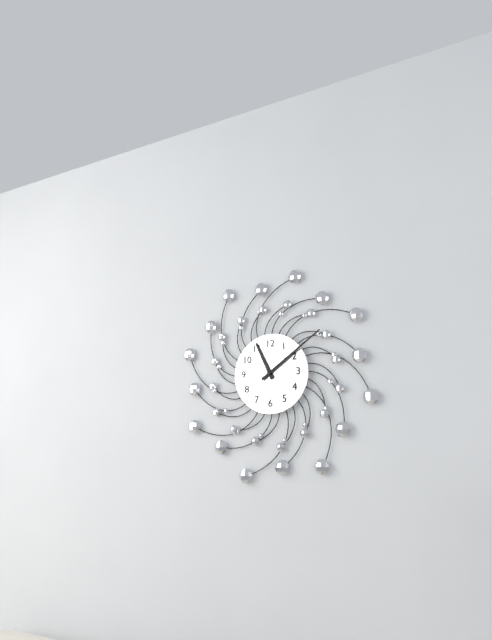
11:09
